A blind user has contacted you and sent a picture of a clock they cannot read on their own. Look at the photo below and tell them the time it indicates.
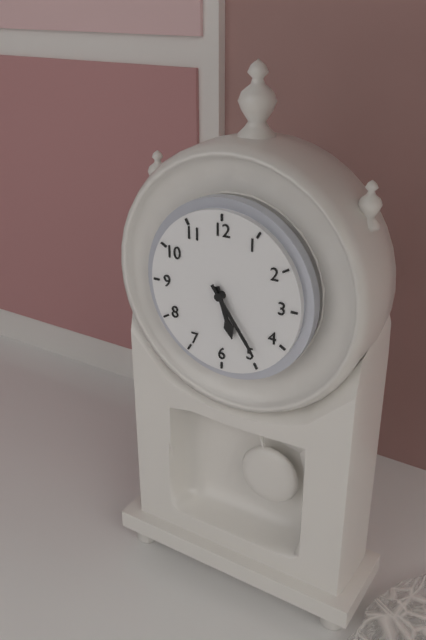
5:24
